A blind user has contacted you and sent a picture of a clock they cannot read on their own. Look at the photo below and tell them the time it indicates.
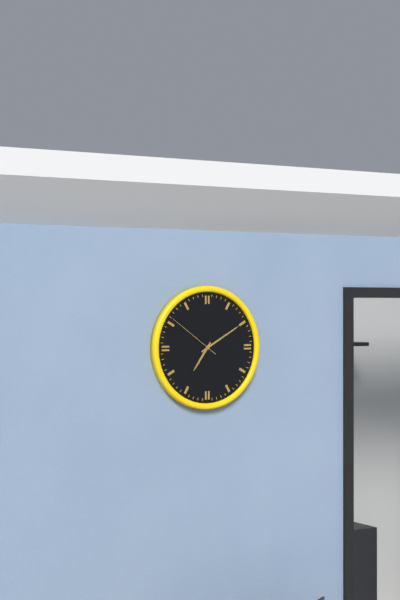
7:10:51
